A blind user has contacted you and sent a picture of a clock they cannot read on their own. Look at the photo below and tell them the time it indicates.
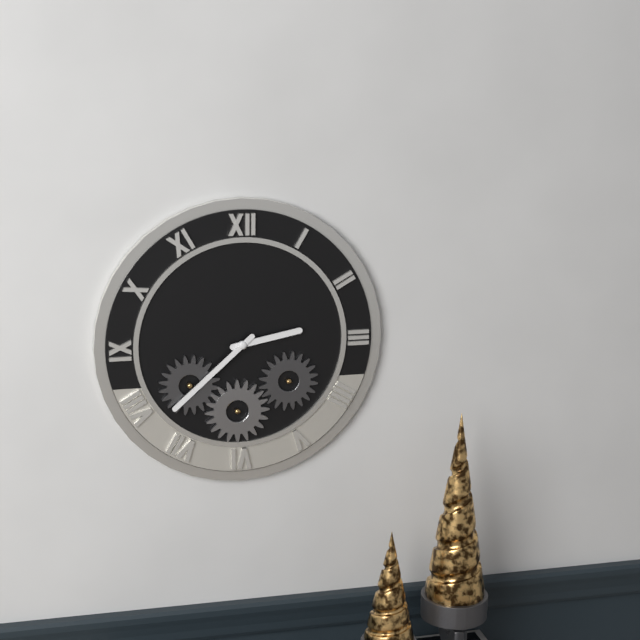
2:38
